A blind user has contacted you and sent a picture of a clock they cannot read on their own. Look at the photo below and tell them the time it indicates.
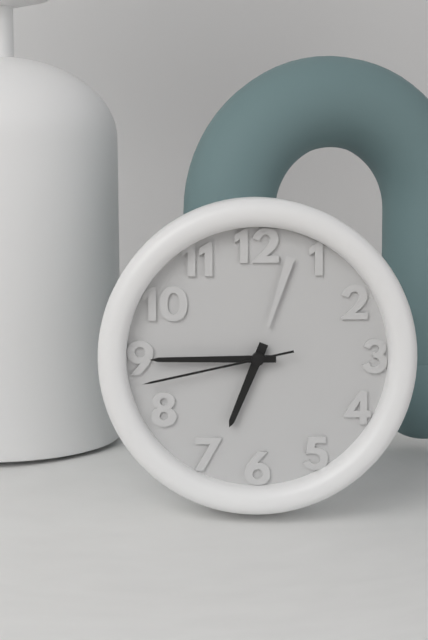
6:45:43
